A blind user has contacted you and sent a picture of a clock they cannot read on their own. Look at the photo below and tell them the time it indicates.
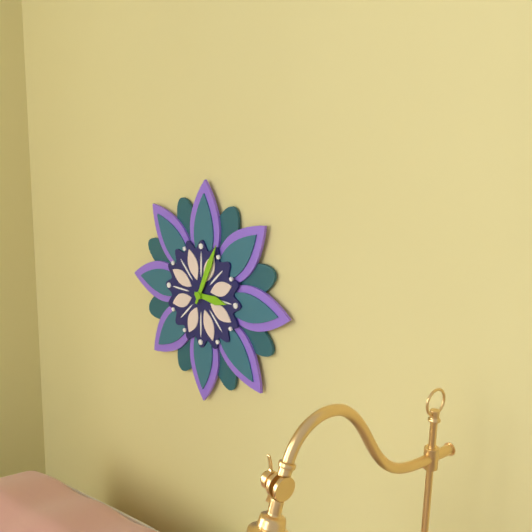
3:04
